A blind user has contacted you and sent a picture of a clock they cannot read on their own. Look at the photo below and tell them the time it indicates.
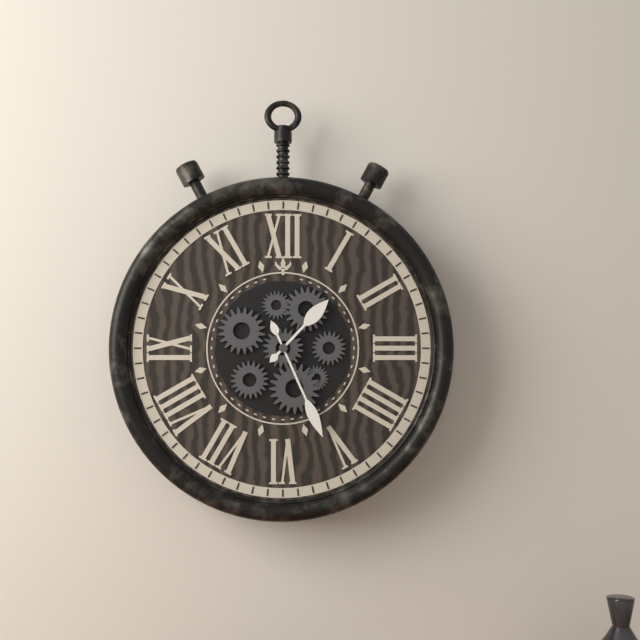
1:26
